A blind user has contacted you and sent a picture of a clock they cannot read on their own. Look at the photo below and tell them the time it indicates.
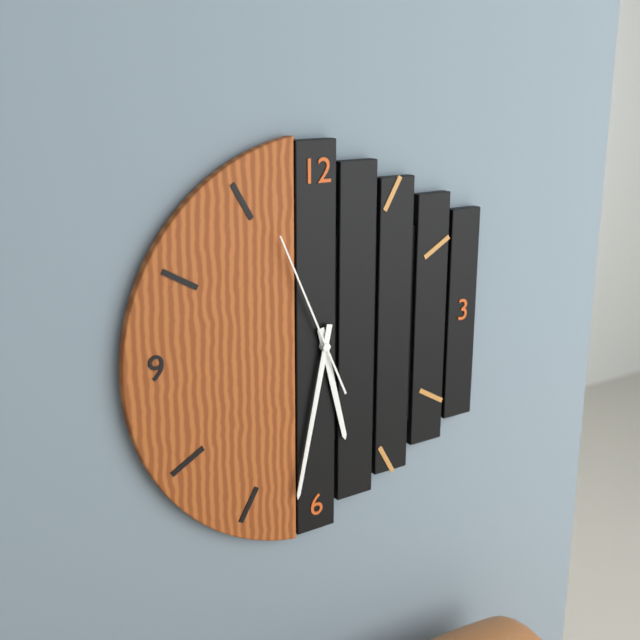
5:32:56
